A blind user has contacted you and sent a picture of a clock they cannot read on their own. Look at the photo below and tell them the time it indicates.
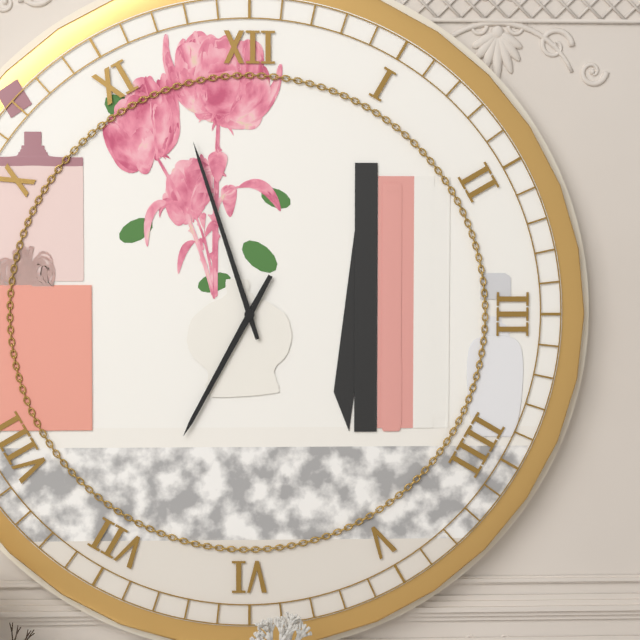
6:57
